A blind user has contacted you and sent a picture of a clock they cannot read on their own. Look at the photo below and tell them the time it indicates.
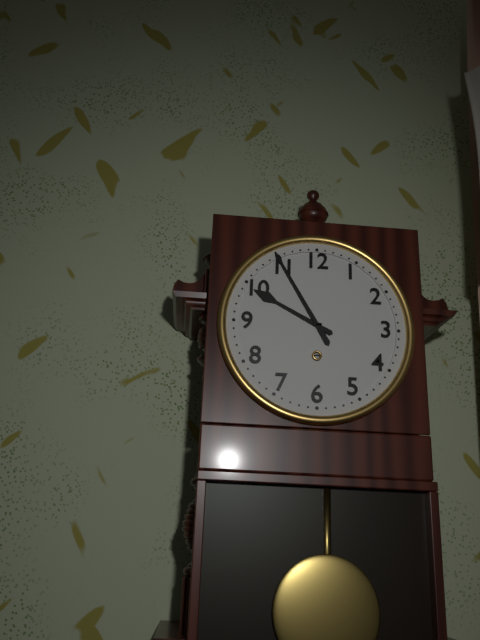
9:55
